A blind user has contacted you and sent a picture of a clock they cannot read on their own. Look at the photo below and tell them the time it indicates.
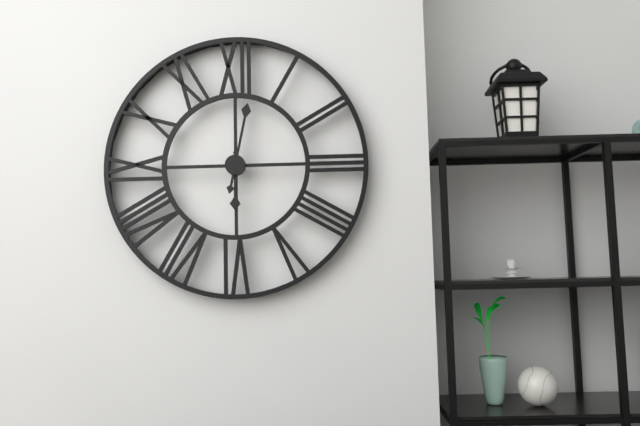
6:02
